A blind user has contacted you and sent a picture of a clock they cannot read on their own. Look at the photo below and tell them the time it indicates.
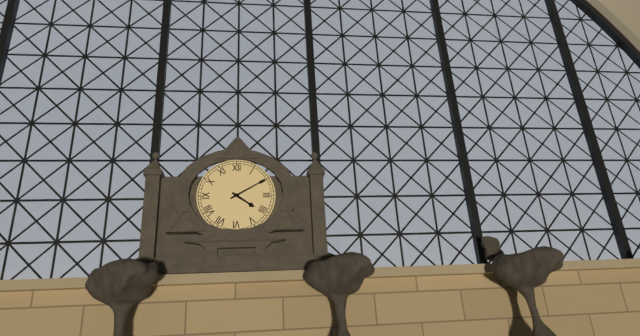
4:10
